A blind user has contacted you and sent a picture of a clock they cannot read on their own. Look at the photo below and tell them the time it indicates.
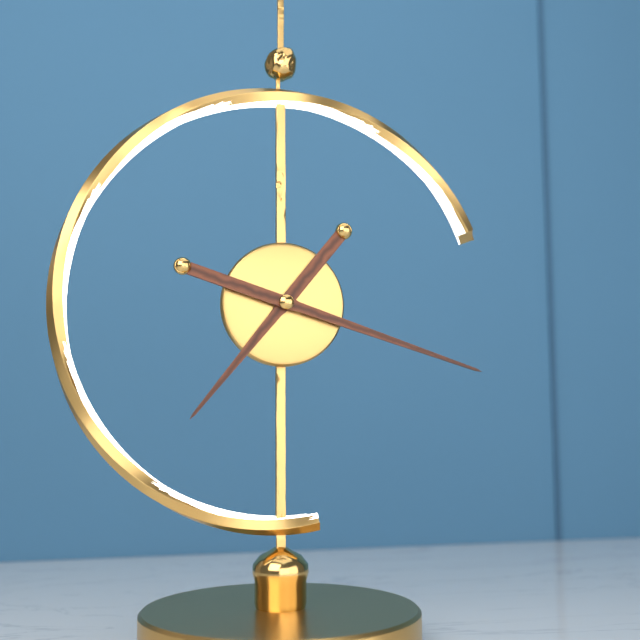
7:18
